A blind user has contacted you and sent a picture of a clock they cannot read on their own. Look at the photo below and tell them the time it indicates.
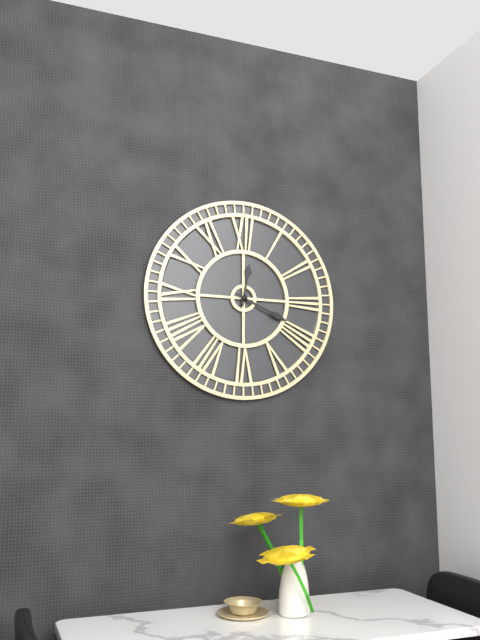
12:19
